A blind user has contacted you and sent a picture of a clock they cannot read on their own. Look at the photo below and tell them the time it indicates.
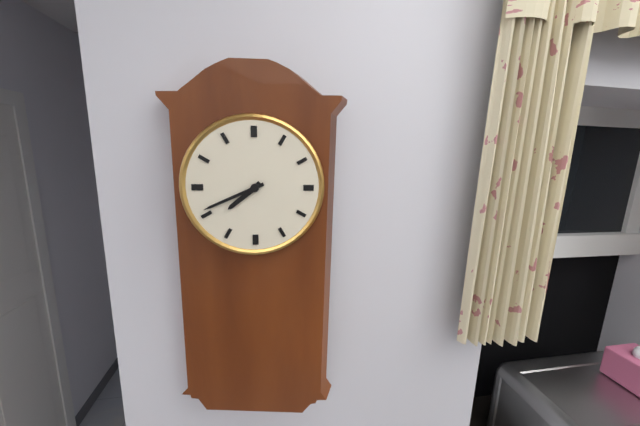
7:41
